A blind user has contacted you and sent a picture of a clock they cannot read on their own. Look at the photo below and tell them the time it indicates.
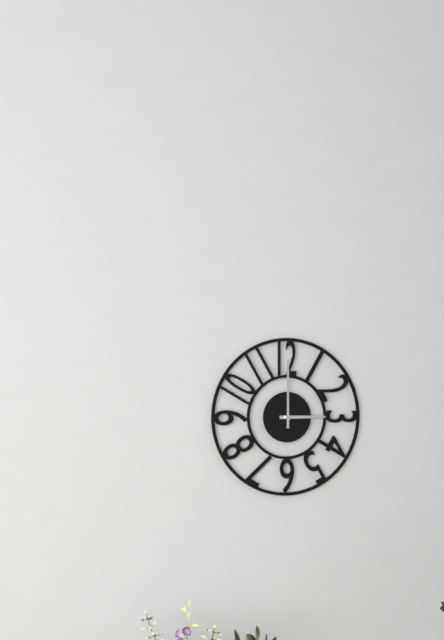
3:00
